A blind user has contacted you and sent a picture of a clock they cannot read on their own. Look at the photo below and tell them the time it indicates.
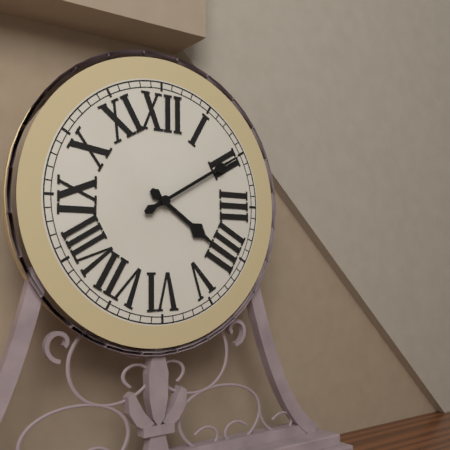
4:10
